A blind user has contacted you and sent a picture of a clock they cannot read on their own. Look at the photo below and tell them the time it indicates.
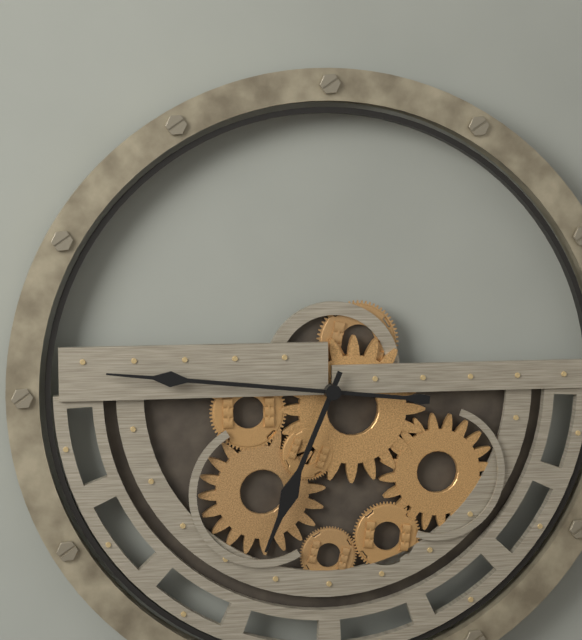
6:46
